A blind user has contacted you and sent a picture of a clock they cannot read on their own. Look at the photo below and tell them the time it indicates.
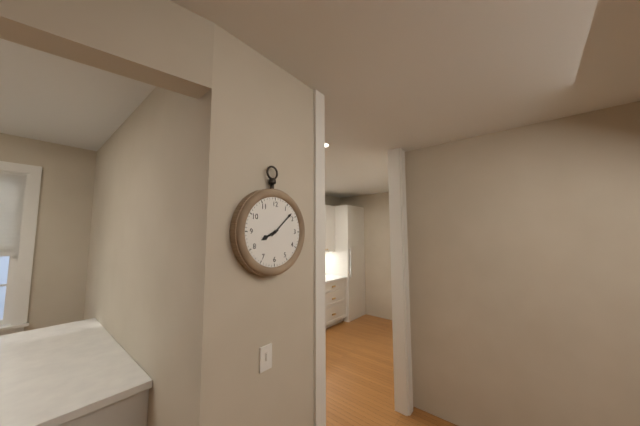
8:08
